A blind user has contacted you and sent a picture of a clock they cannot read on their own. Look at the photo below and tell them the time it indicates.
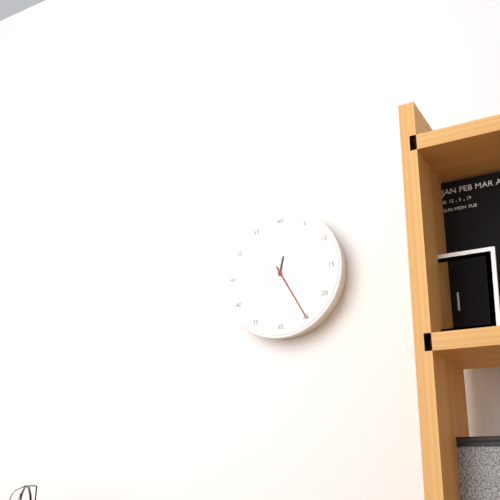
12:25
